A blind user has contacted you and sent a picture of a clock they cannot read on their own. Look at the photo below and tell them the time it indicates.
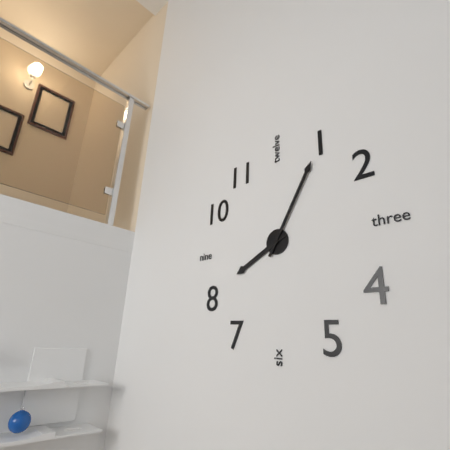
8:05
